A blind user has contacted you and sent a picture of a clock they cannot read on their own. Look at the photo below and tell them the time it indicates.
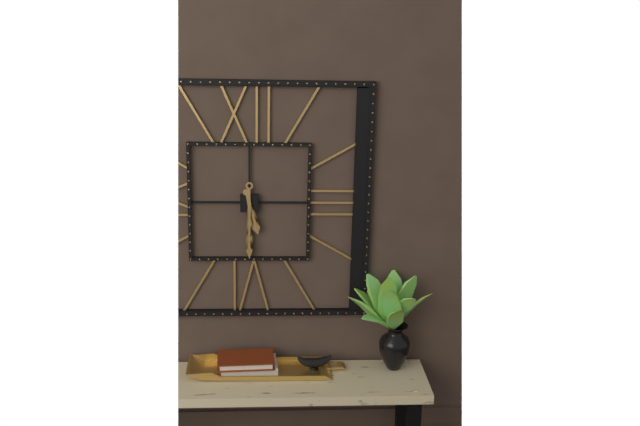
5:30
